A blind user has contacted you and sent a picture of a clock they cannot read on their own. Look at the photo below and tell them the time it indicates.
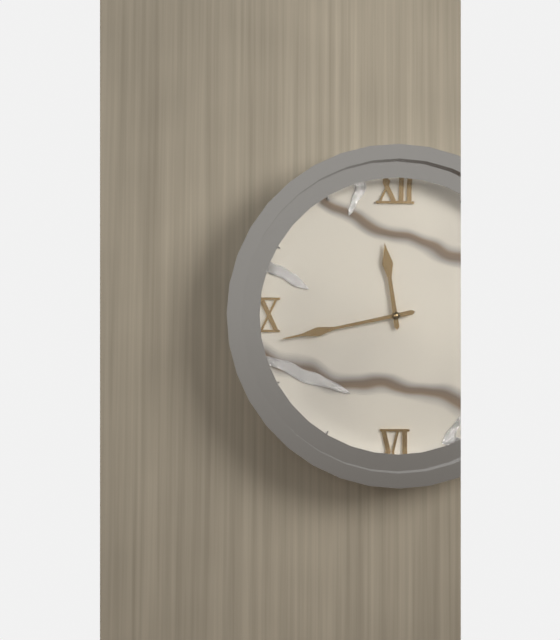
11:43
